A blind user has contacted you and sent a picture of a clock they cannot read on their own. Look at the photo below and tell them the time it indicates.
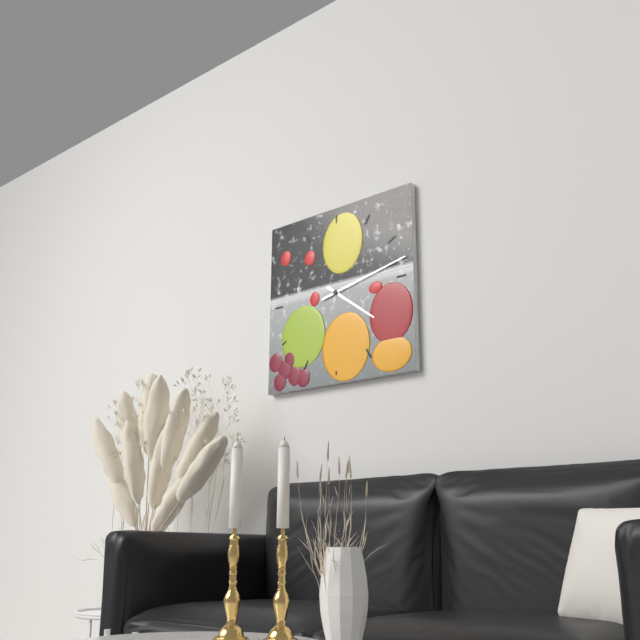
4:13
